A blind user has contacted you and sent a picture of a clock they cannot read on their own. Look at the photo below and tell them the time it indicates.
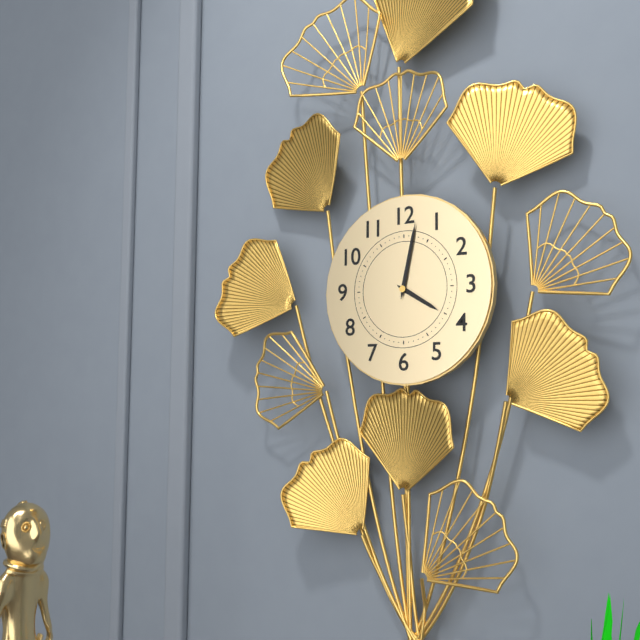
4:02
